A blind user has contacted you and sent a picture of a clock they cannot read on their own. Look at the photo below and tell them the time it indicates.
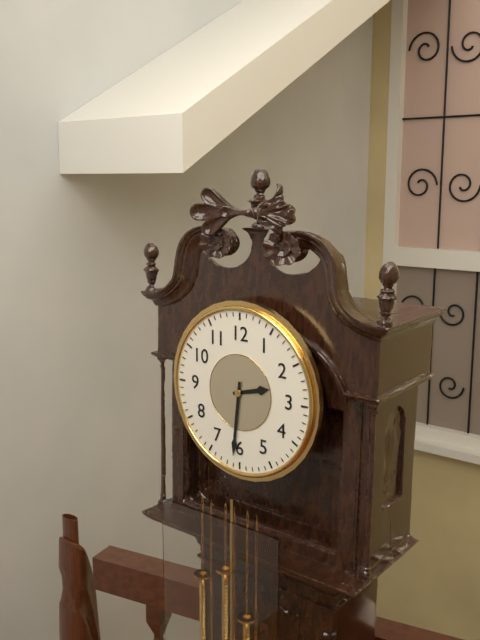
2:31
